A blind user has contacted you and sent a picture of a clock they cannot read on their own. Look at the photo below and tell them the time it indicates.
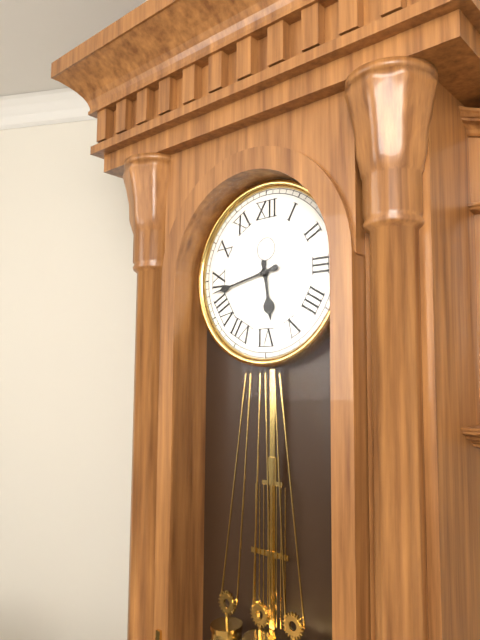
5:43
